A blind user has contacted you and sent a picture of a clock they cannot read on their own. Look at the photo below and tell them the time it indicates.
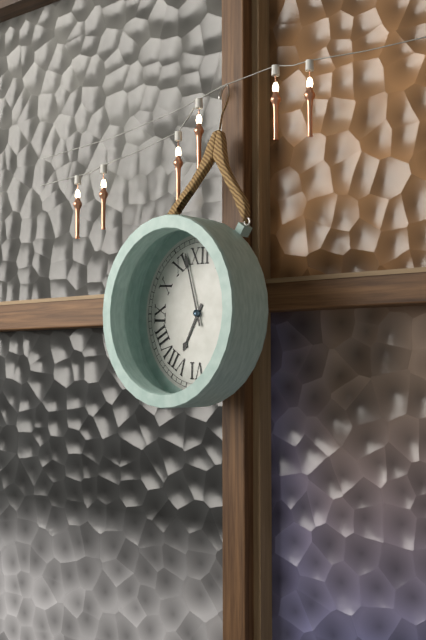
6:57
